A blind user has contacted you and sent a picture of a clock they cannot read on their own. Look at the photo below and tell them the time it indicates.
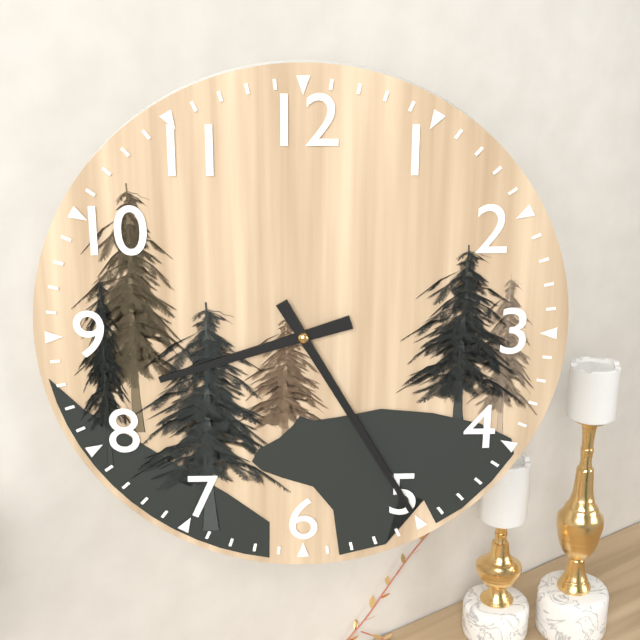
8:25
